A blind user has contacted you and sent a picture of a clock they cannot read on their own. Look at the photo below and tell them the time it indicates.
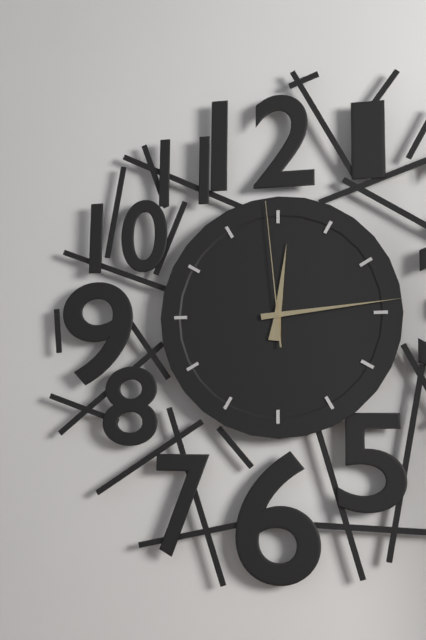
12:14:59
